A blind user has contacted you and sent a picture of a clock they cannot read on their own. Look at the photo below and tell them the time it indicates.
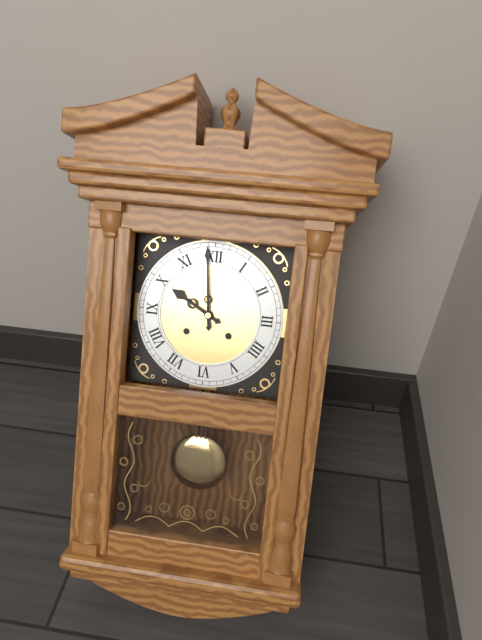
9:59
